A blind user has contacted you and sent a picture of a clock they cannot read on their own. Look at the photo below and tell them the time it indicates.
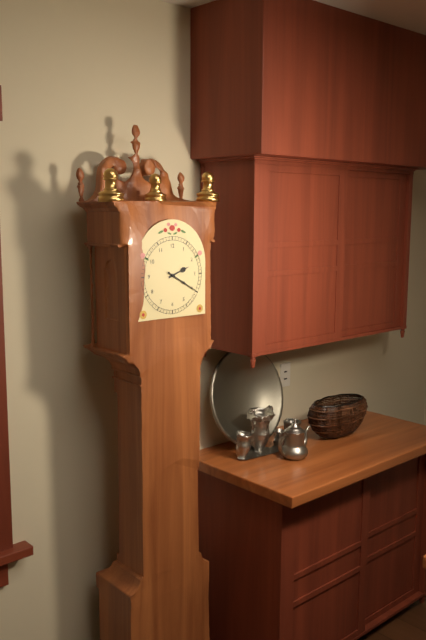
2:20
